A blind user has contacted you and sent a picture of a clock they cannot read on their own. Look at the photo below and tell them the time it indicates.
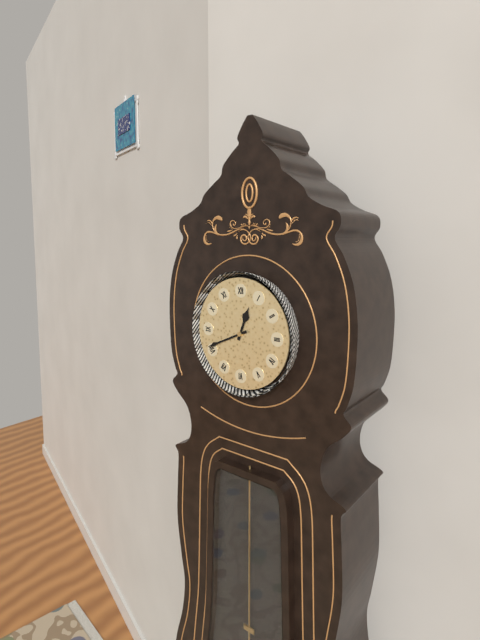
12:41
